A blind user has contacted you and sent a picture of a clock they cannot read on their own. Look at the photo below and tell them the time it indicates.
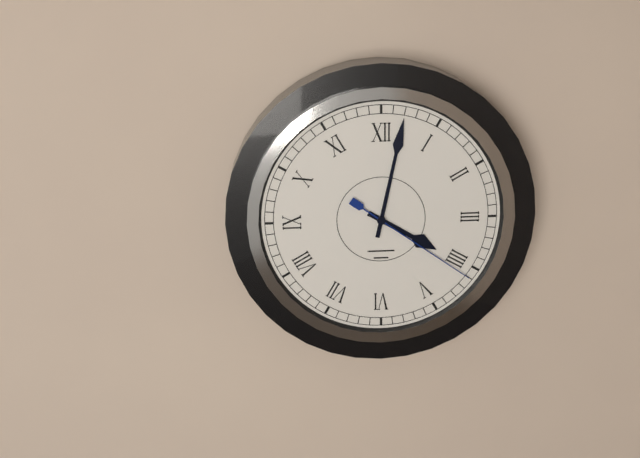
4:02:21
